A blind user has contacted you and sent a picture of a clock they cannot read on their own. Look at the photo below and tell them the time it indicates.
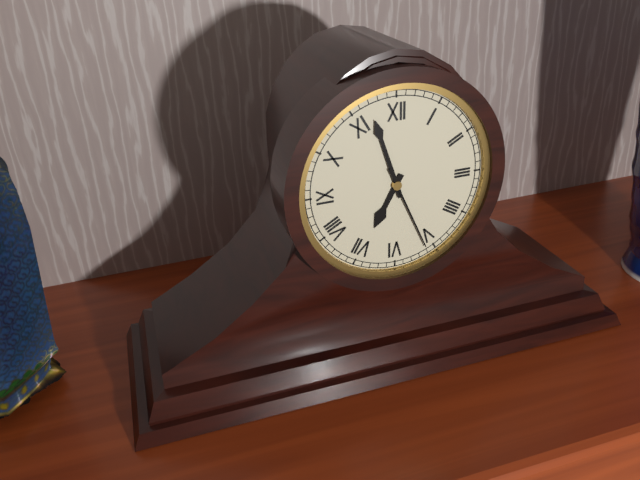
6:57:26
